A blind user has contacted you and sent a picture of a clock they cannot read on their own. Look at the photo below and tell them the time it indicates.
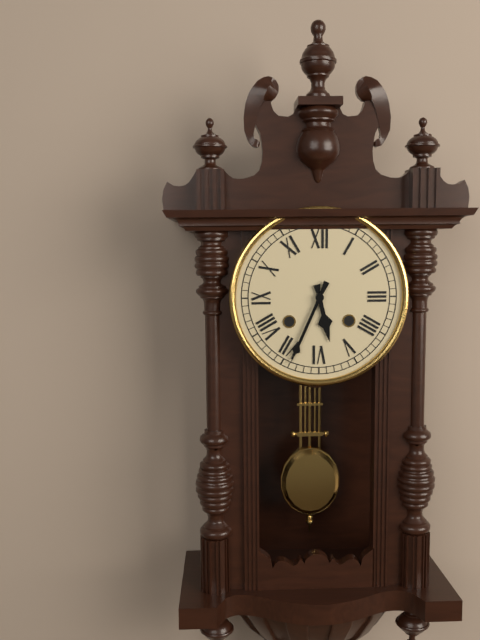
5:34
